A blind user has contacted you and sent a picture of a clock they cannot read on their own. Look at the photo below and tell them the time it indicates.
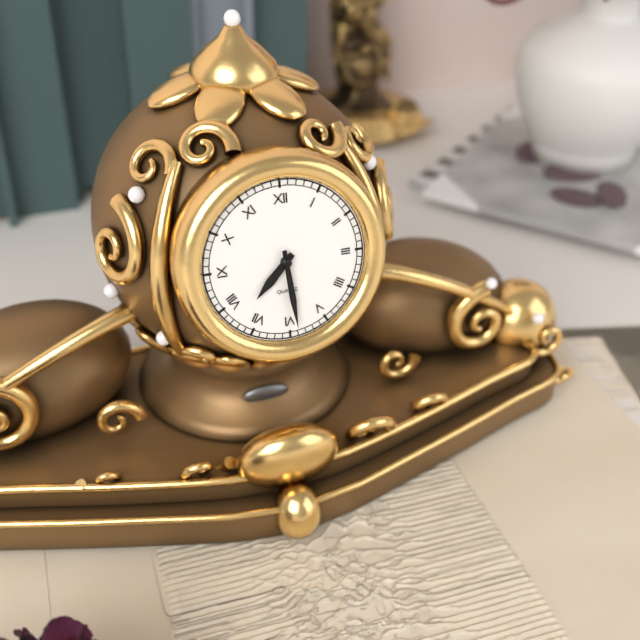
7:29
